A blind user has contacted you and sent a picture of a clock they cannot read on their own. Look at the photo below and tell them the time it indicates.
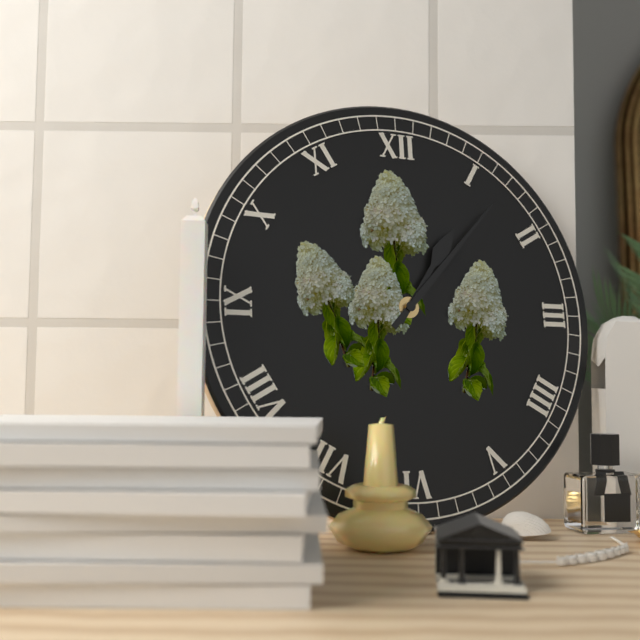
1:07
